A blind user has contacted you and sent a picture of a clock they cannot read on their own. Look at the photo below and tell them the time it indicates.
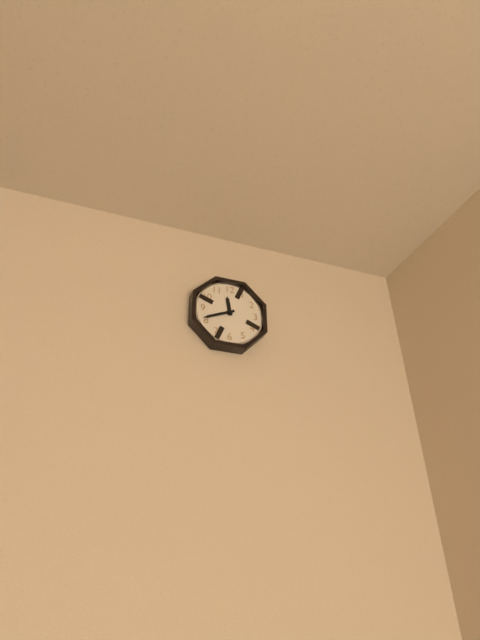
11:41
